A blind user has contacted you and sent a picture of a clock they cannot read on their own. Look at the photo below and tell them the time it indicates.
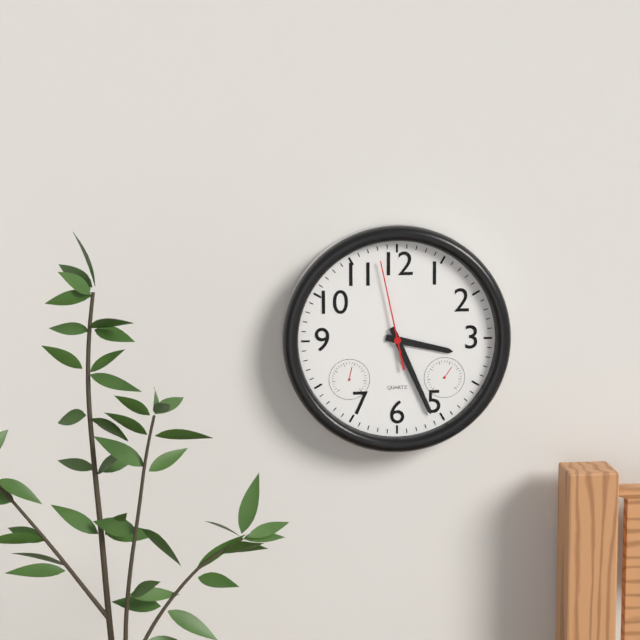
3:26:58
